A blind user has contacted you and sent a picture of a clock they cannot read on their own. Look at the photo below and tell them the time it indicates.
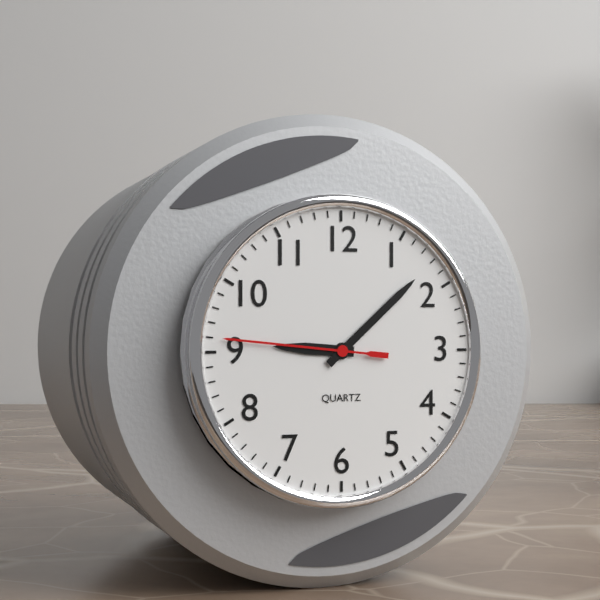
9:08:46
